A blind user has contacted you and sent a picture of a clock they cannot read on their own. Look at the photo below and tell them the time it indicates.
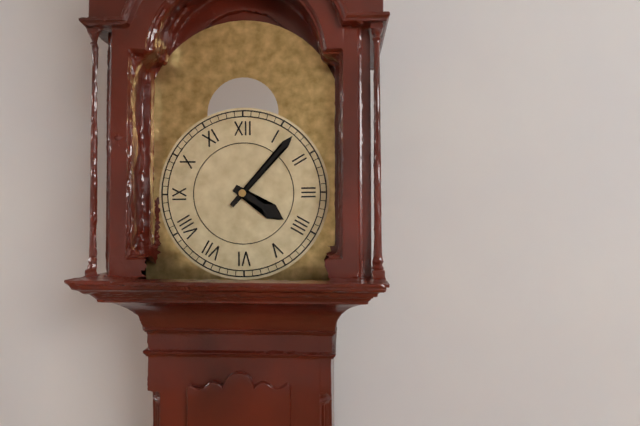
4:07
